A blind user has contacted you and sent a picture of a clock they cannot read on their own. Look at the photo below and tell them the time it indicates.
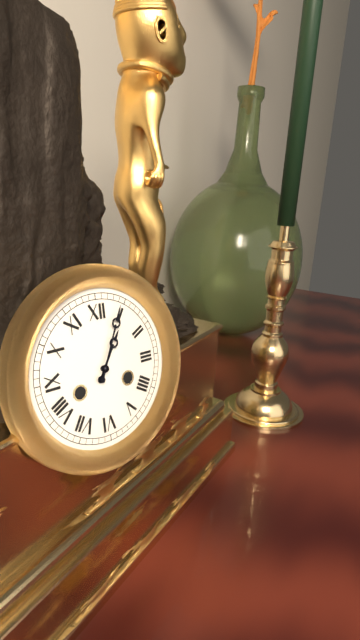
1:04
